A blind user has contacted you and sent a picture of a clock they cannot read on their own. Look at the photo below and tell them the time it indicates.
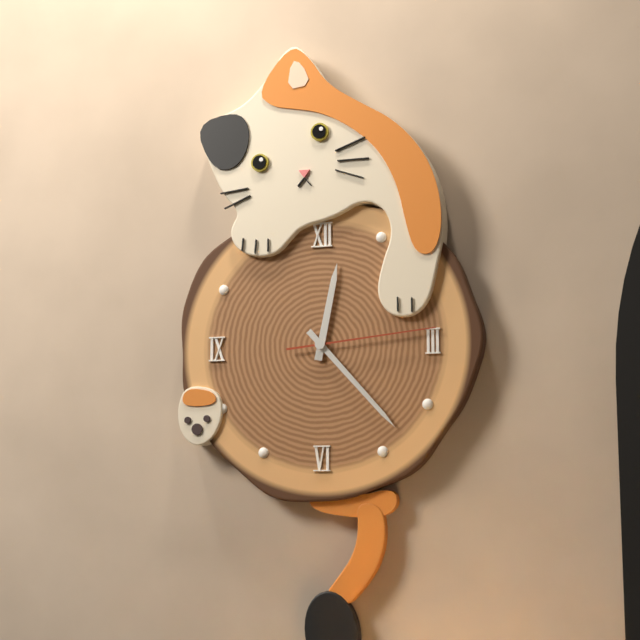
12:23:14
